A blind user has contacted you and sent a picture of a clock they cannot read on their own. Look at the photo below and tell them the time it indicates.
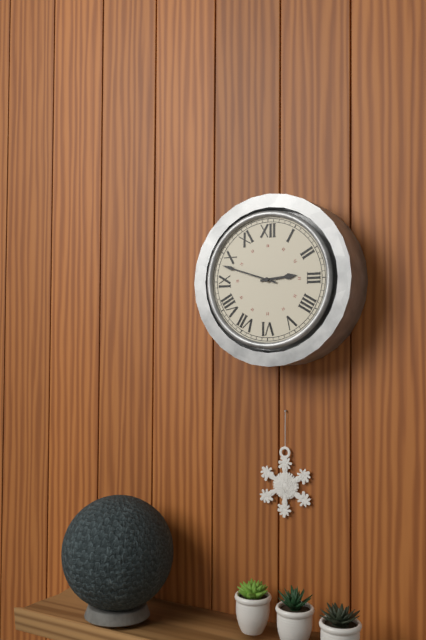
2:48
